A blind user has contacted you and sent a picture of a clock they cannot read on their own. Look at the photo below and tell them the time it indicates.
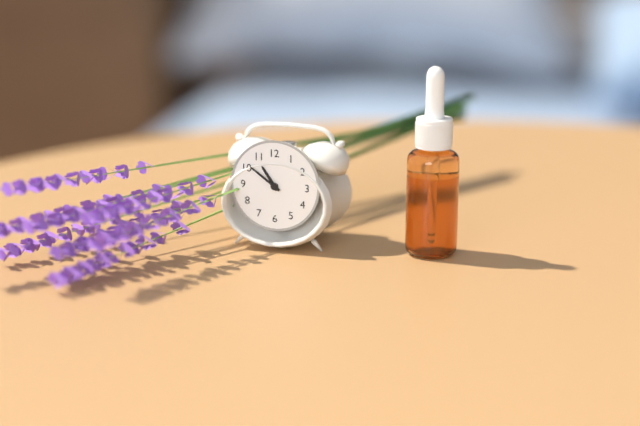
10:51
